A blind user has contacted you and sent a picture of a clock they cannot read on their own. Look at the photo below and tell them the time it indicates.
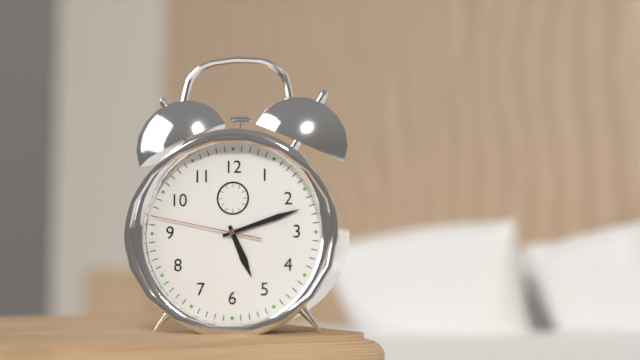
5:12:47
